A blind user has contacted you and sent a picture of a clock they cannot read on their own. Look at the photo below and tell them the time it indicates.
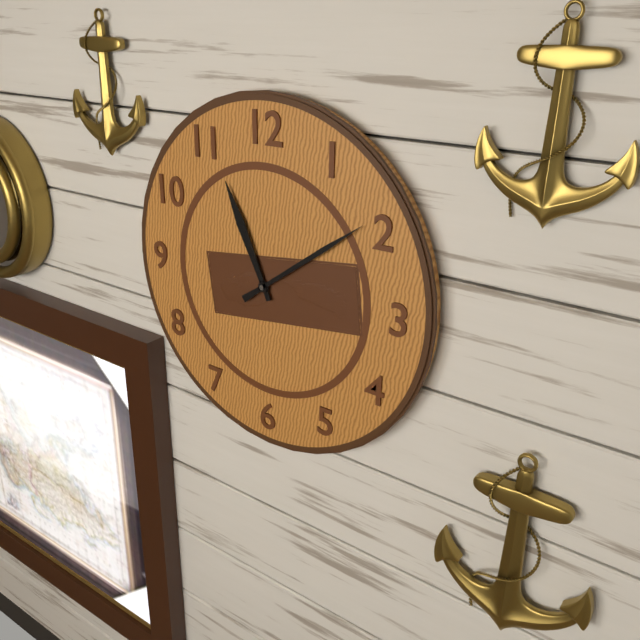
11:09
